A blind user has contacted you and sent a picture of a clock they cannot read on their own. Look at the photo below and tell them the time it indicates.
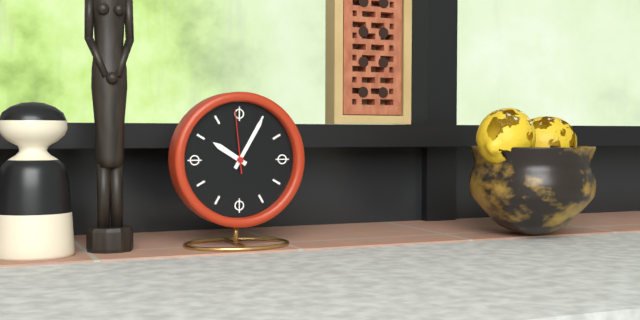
10:05:59
